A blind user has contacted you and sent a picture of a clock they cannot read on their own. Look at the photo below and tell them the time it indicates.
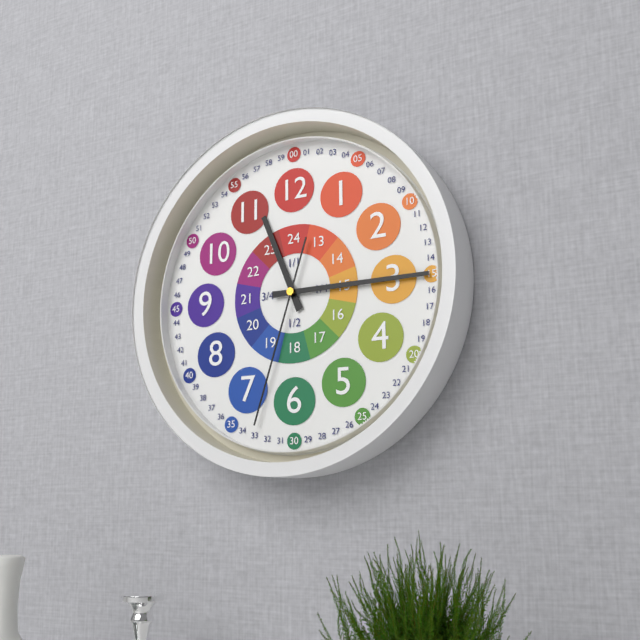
11:15:33
